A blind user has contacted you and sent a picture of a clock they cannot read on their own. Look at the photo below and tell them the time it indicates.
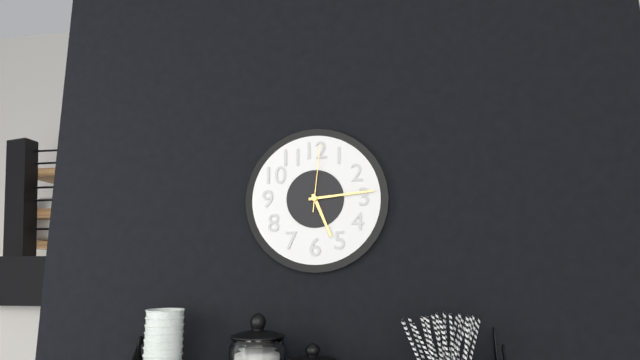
5:14:01
